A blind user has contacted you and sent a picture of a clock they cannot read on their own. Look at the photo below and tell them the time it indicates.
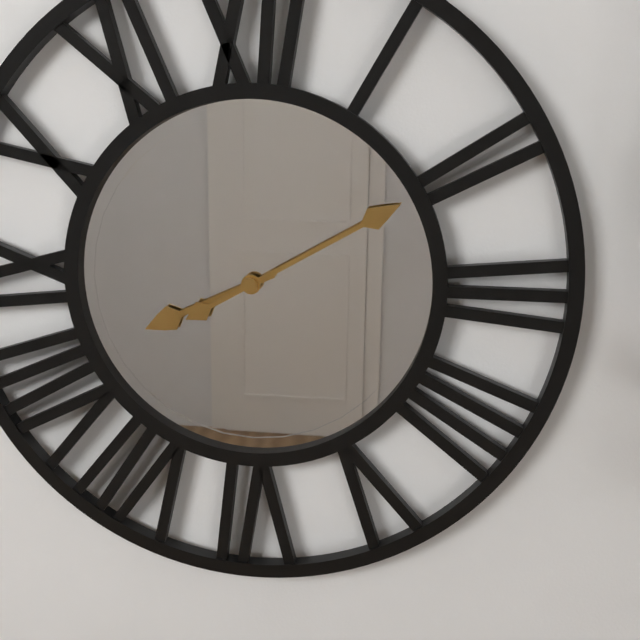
8:10
